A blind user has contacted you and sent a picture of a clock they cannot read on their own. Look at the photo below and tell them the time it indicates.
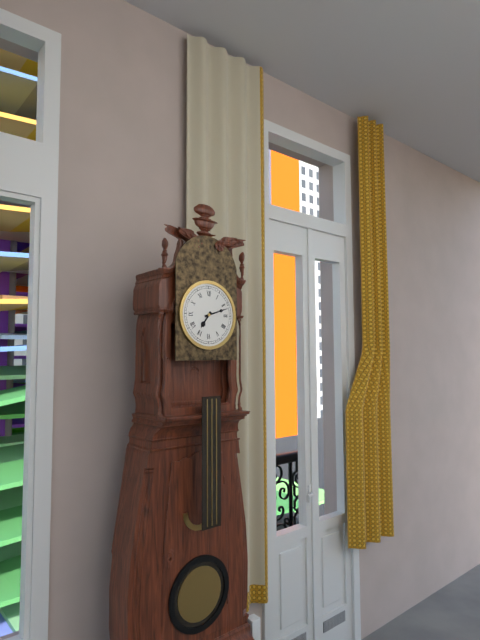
7:12
